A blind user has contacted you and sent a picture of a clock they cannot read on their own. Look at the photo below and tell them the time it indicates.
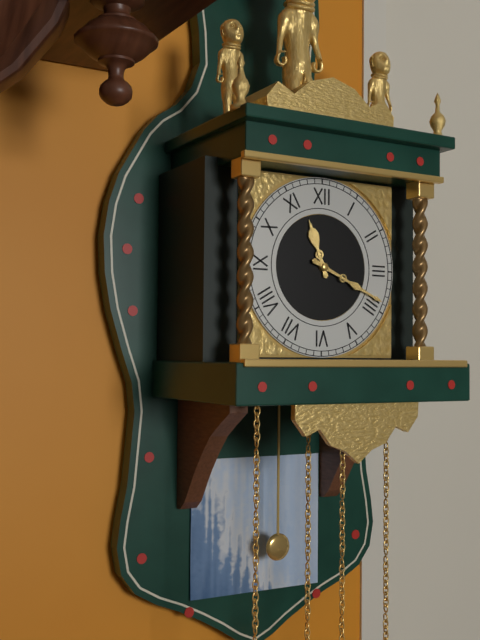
11:19
